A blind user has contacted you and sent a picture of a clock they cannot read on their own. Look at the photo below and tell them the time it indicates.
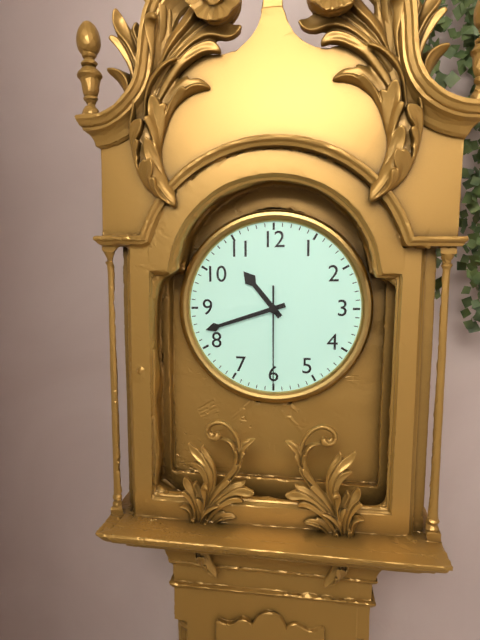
10:42:30
